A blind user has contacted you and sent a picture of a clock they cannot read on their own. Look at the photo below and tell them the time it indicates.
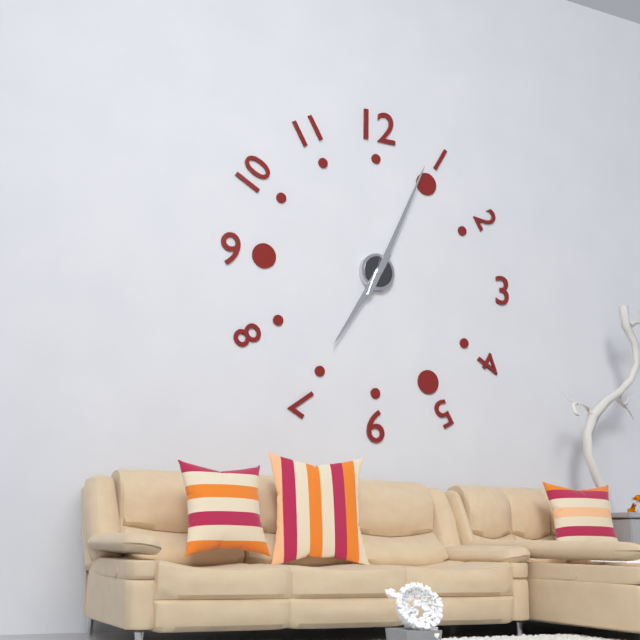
7:04
